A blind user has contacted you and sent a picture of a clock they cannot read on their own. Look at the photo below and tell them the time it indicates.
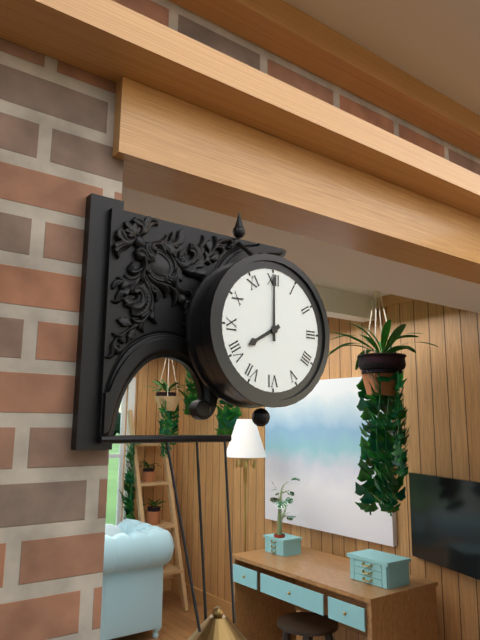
8:00
